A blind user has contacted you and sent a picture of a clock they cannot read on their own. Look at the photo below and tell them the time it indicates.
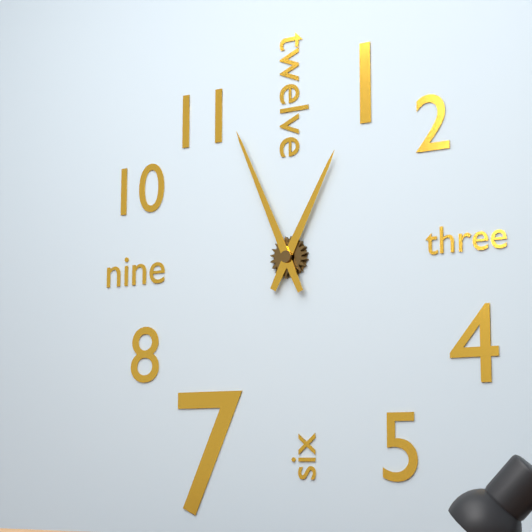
12:56
